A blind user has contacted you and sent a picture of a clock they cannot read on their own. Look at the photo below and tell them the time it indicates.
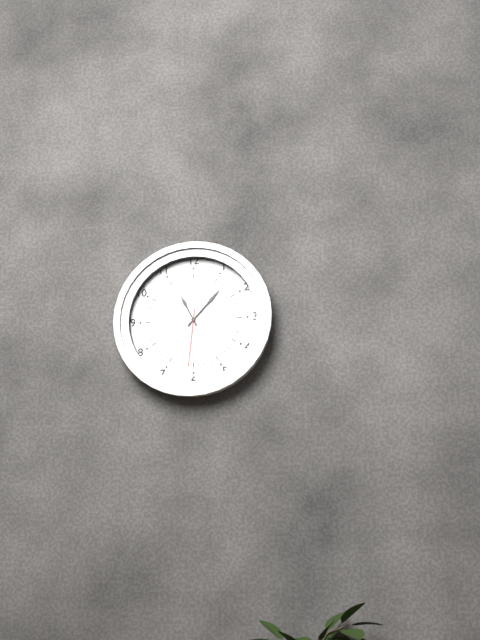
11:07:31
